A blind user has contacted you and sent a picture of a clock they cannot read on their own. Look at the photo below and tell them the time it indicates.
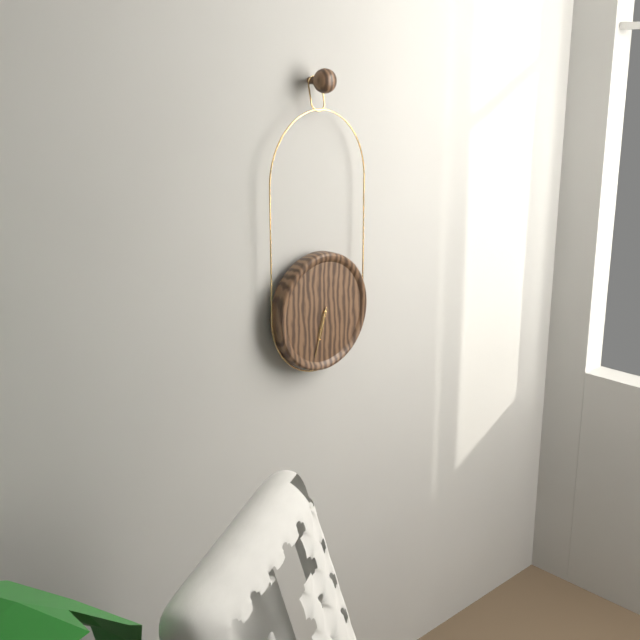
6:33
